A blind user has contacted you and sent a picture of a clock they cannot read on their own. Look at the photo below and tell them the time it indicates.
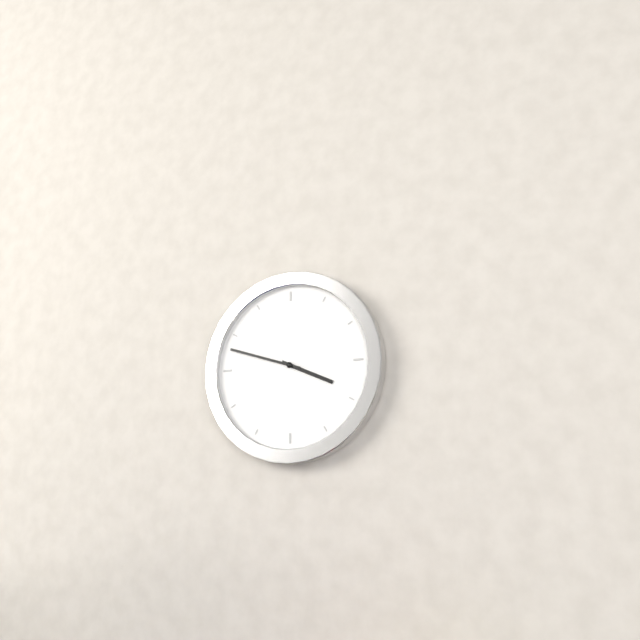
3:48
